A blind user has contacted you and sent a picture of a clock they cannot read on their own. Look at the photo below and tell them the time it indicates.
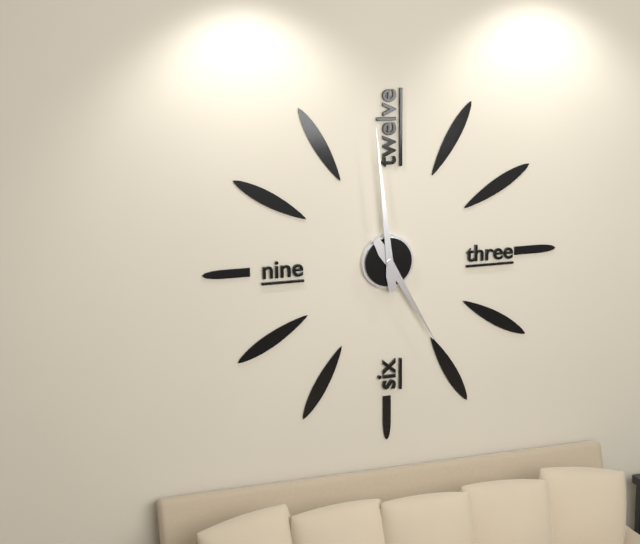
4:59
